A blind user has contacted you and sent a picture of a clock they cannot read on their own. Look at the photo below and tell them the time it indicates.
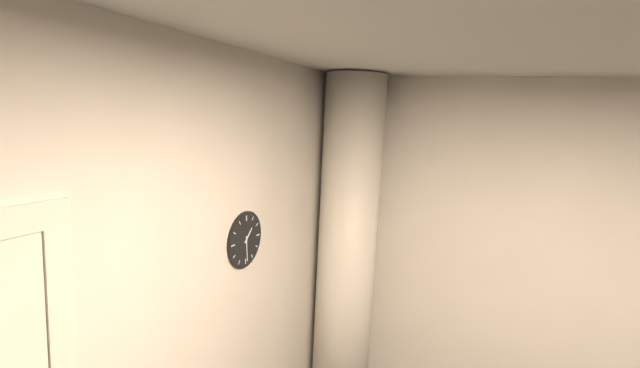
1:29
